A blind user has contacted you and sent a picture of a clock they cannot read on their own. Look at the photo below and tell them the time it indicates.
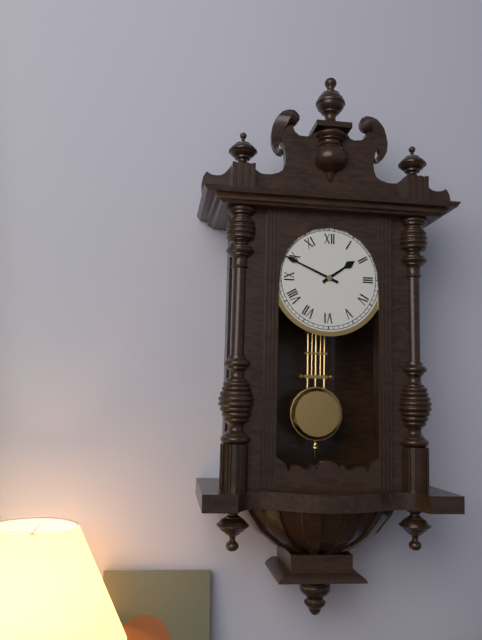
1:49
